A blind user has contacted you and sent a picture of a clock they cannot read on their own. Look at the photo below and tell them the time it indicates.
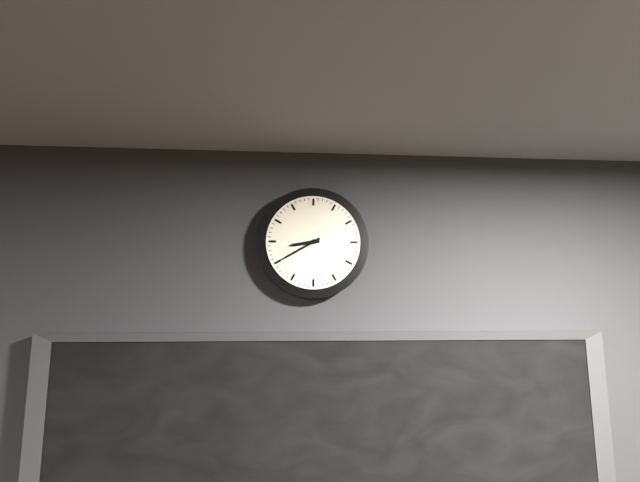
8:40
